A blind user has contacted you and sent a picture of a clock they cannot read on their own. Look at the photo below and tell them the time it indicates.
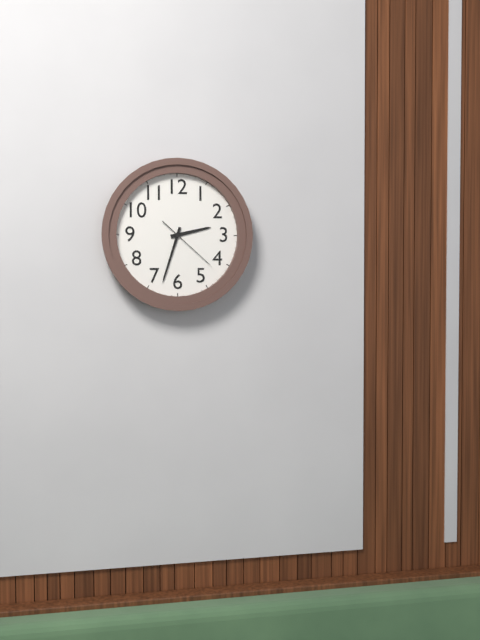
2:33:22
